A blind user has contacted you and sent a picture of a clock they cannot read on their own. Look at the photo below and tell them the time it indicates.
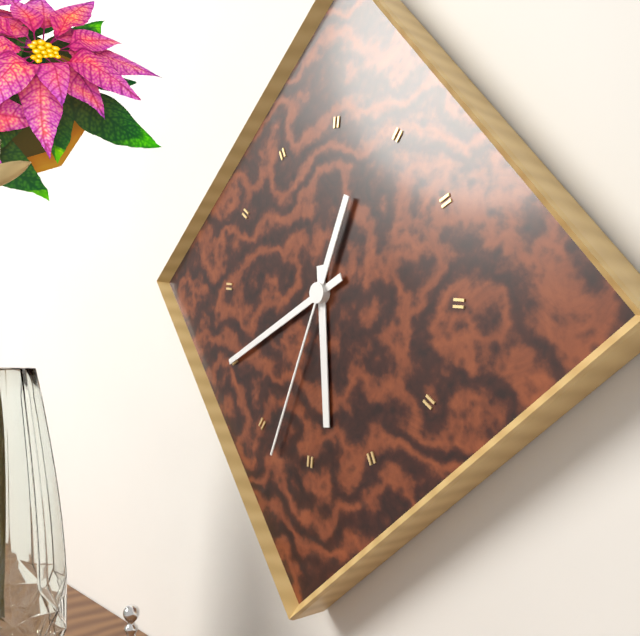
5:40:33
